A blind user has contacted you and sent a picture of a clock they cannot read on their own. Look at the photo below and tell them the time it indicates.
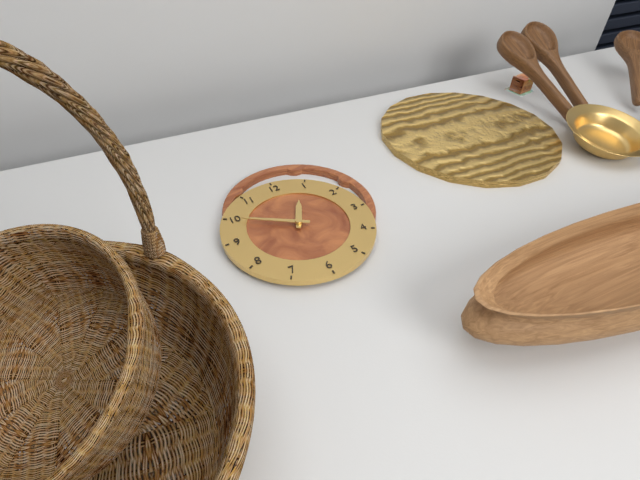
12:50
